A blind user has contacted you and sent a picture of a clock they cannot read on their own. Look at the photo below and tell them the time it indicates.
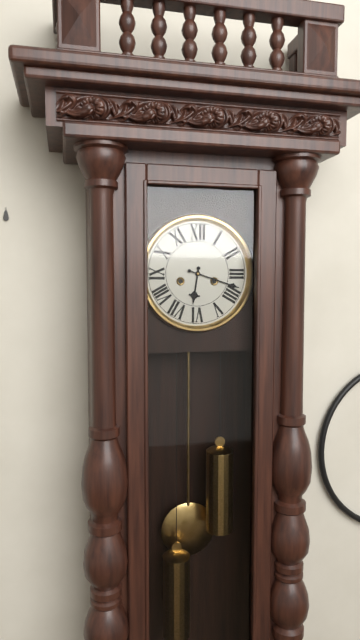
6:18
